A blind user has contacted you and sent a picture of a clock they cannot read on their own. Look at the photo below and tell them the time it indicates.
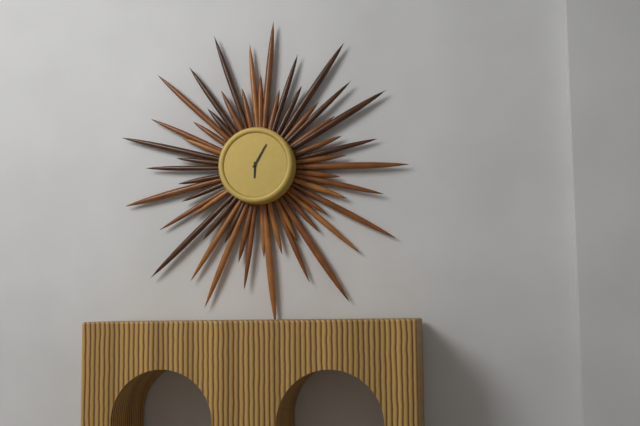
6:05
